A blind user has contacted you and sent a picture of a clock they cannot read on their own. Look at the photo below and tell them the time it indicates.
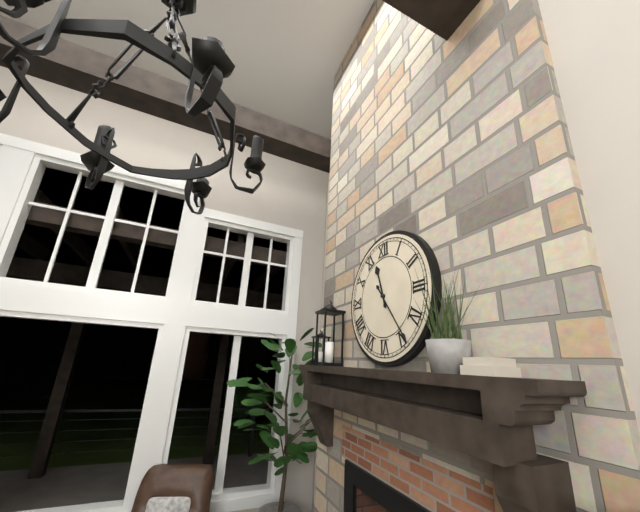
11:24
